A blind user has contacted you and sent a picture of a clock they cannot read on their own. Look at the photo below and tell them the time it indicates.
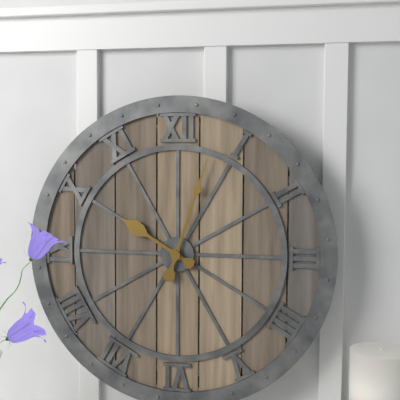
10:03
